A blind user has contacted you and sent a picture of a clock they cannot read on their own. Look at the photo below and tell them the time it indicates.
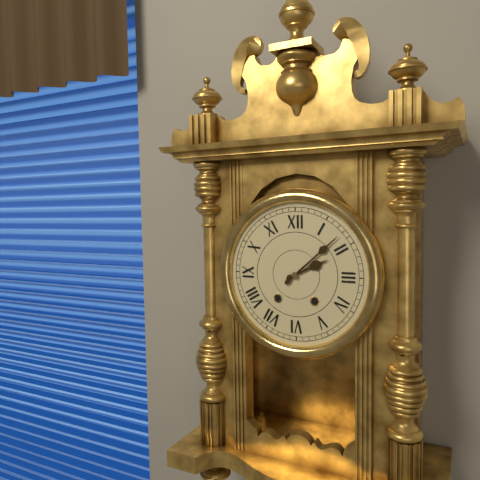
2:08
